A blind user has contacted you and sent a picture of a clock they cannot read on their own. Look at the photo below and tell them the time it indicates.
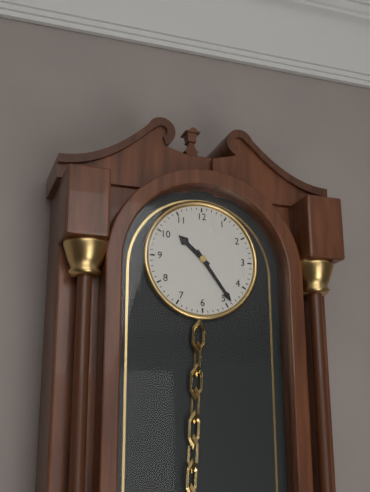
10:24
